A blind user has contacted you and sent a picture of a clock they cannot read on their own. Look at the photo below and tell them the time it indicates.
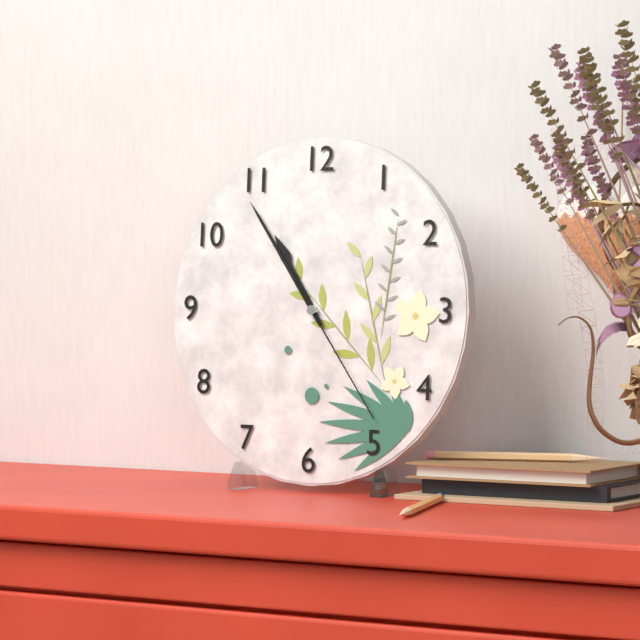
10:54:24
